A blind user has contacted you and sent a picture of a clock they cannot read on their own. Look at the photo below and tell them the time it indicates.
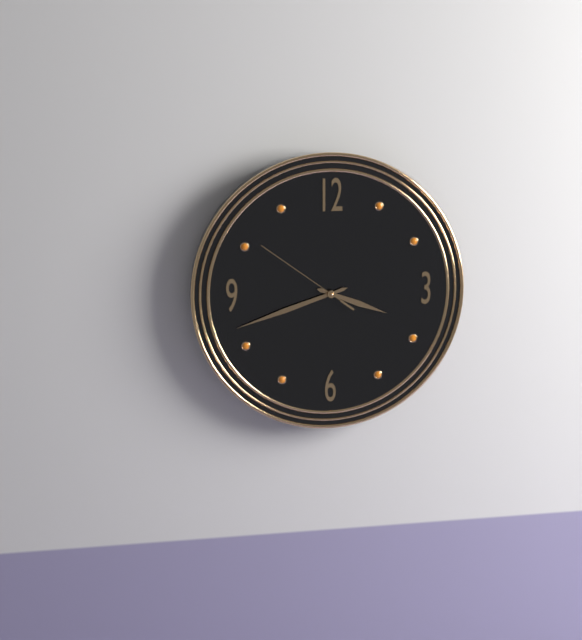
3:42:51
